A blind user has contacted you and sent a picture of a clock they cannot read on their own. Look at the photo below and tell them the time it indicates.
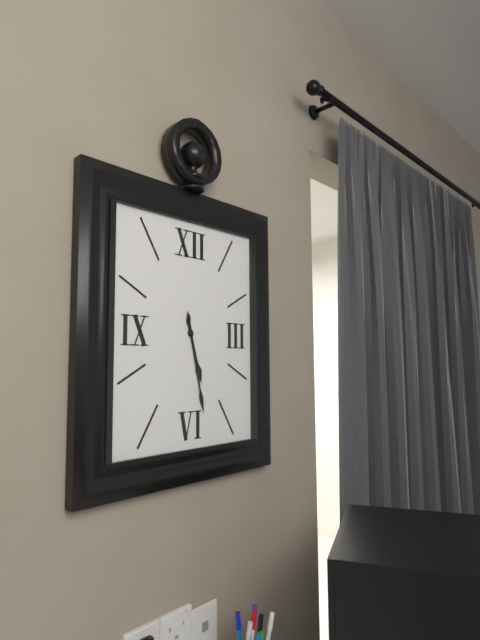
5:28
